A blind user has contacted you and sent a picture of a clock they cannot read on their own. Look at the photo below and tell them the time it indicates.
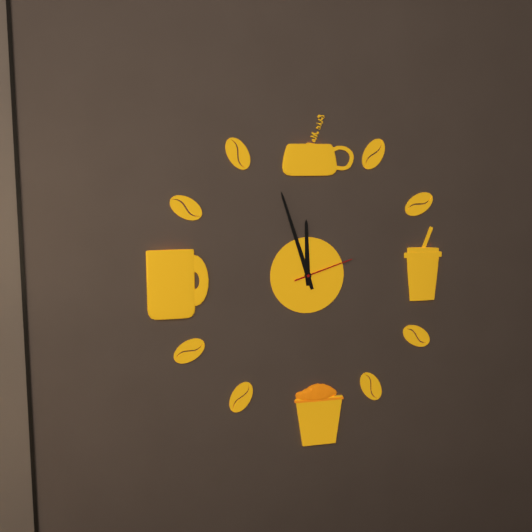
11:57:12
